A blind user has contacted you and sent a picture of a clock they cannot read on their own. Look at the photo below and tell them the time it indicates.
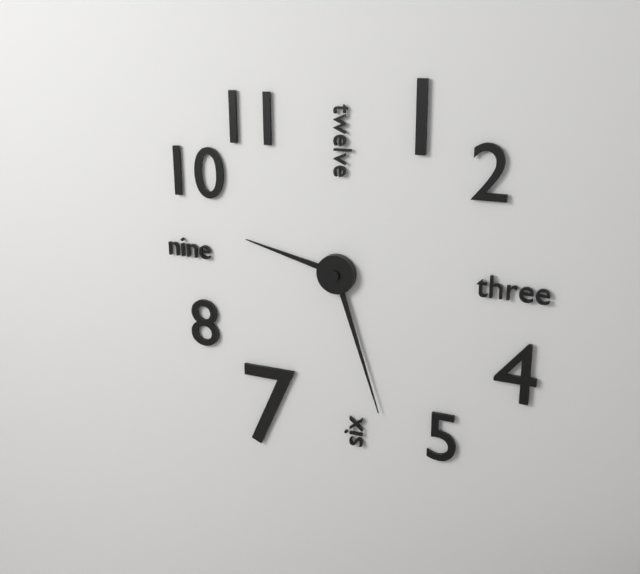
9:27
